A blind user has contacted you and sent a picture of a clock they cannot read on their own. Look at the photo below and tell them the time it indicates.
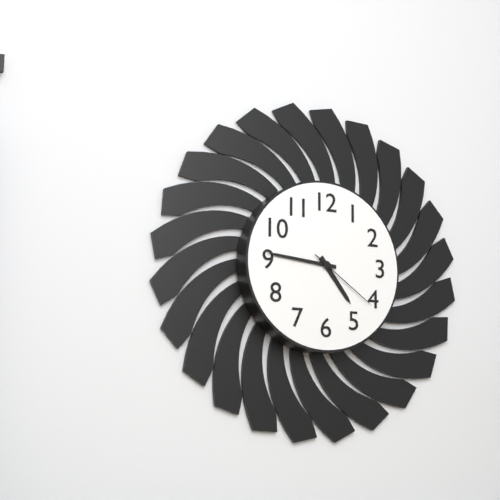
4:46:21
